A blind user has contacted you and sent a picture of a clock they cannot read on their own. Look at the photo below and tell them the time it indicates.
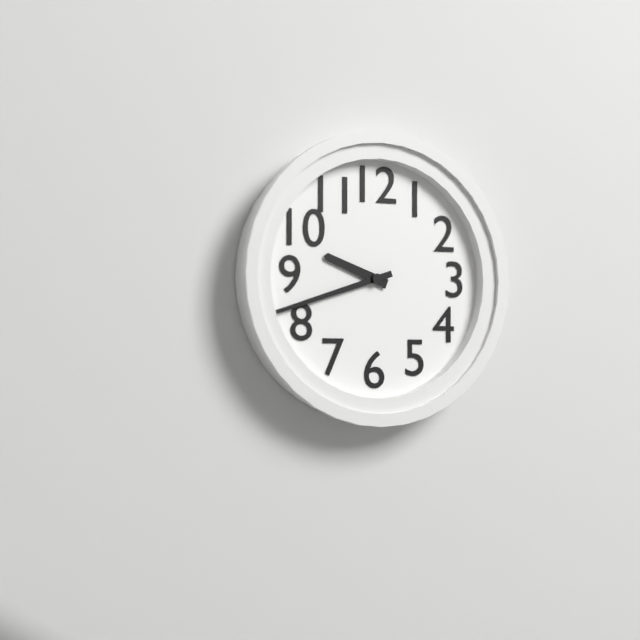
9:42
